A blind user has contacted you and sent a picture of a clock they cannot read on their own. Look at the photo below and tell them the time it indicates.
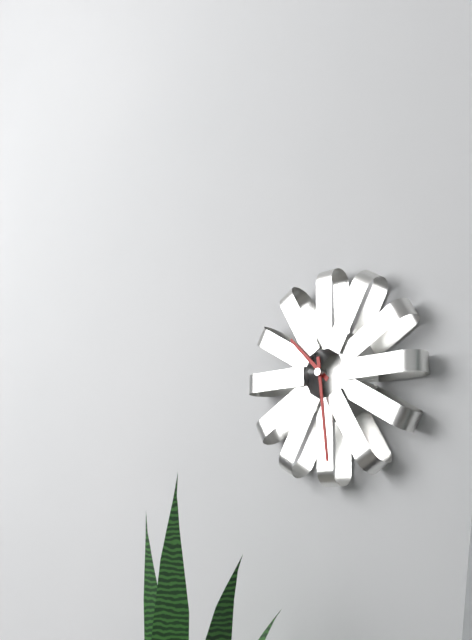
10:29
